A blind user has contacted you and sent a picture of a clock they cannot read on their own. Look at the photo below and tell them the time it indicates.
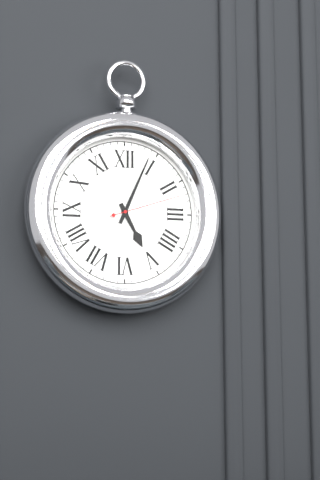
5:04:12
